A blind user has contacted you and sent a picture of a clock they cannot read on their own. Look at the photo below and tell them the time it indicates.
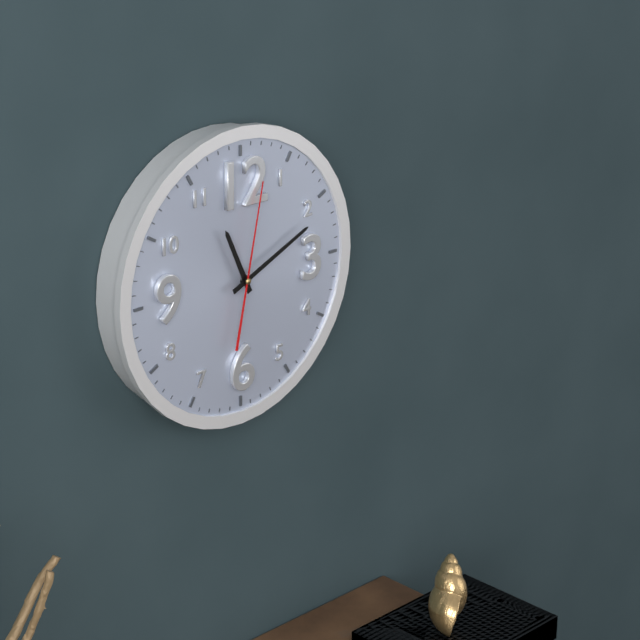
11:11:02
